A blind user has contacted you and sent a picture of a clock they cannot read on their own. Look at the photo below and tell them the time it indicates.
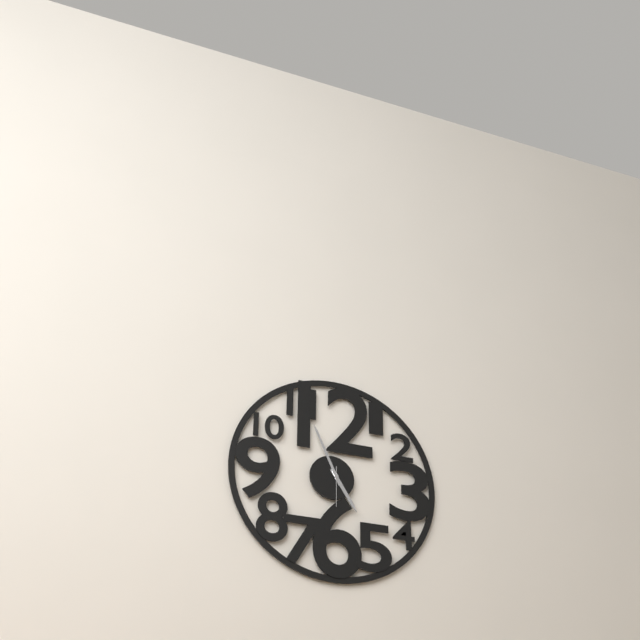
4:56
